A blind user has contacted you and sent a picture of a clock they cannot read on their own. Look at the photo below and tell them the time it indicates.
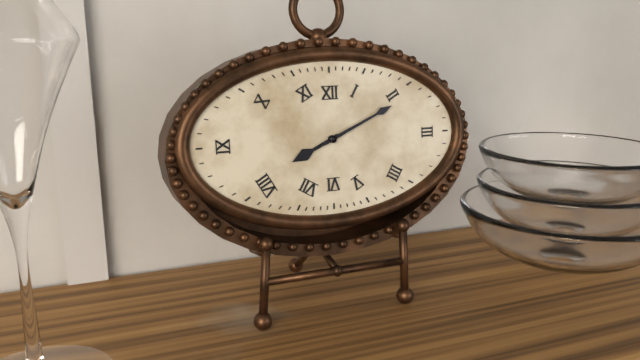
8:11
